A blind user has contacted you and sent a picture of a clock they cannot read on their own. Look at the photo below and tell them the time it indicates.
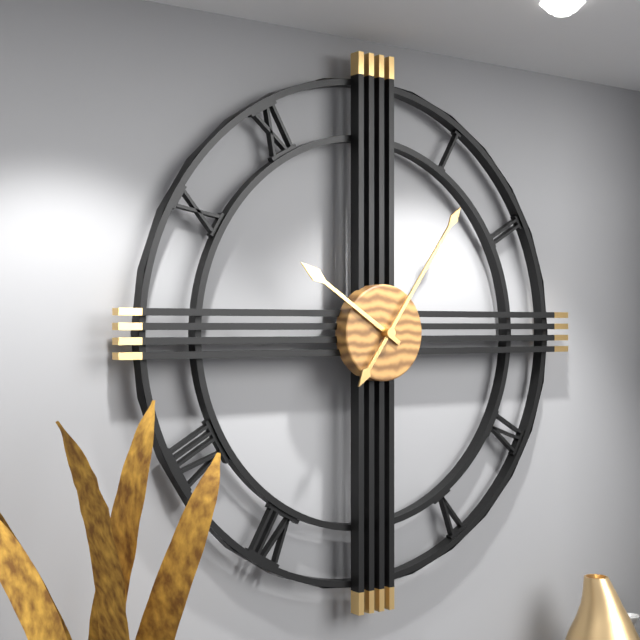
10:06
